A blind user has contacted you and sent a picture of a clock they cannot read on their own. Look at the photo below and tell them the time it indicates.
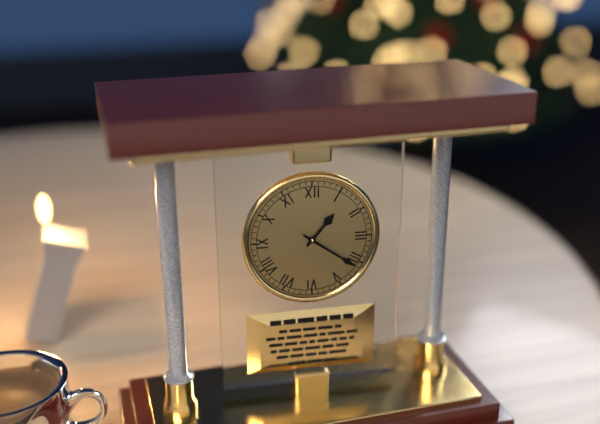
1:21
